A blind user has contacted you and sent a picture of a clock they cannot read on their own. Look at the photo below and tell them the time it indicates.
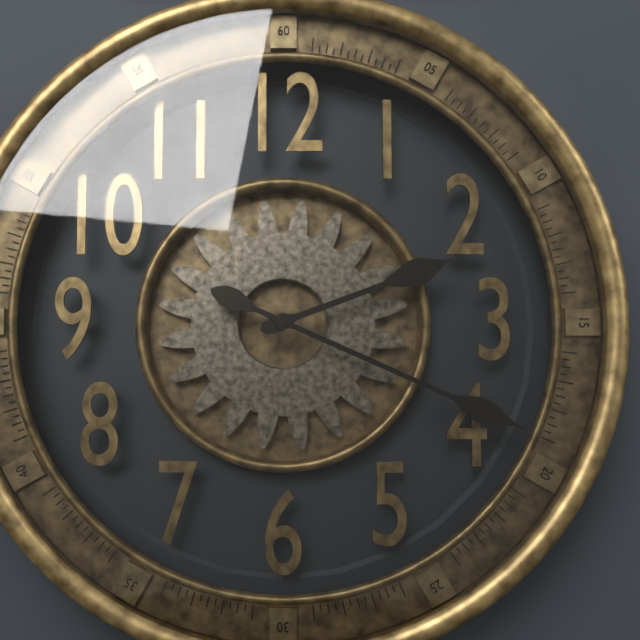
2:19
